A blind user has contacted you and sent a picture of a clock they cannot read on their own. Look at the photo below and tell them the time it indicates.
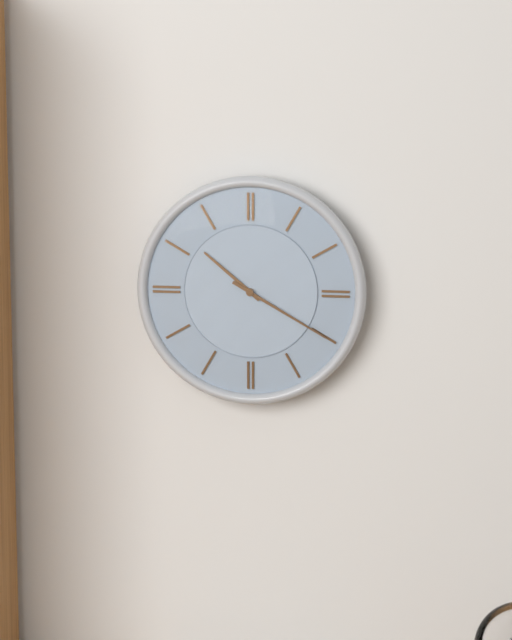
10:20
